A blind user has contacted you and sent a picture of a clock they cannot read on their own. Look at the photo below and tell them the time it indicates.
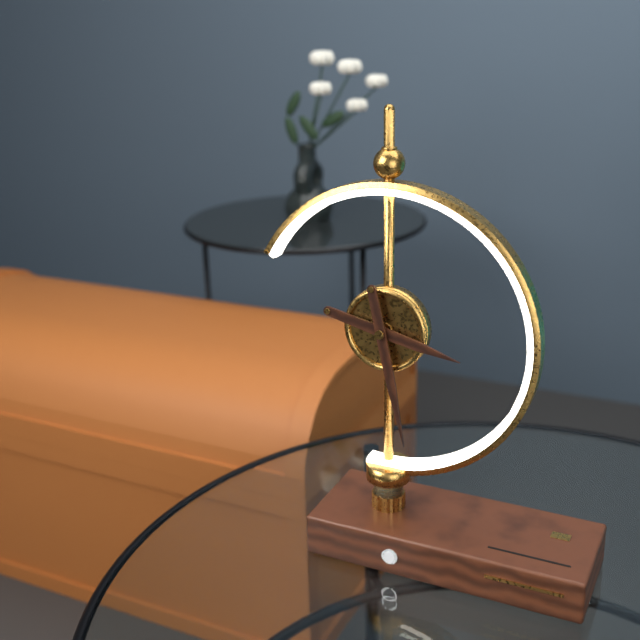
3:28
